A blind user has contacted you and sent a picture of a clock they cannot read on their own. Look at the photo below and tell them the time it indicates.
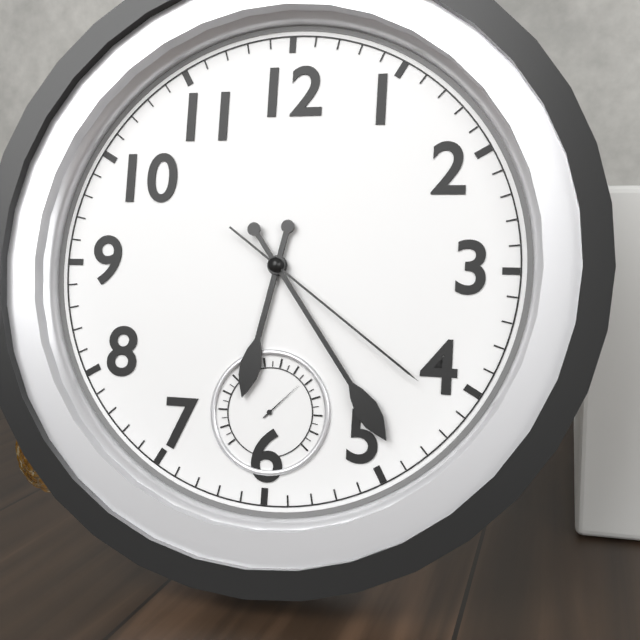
6:24:21
